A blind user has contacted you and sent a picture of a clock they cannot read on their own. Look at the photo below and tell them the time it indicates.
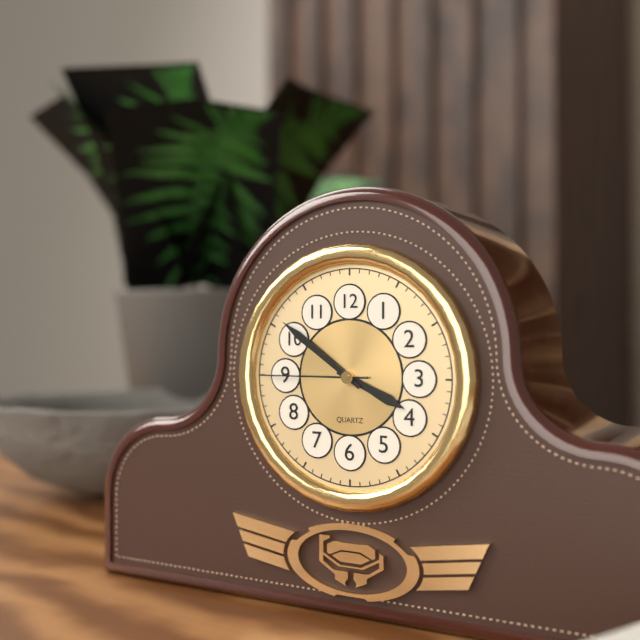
3:51:45
